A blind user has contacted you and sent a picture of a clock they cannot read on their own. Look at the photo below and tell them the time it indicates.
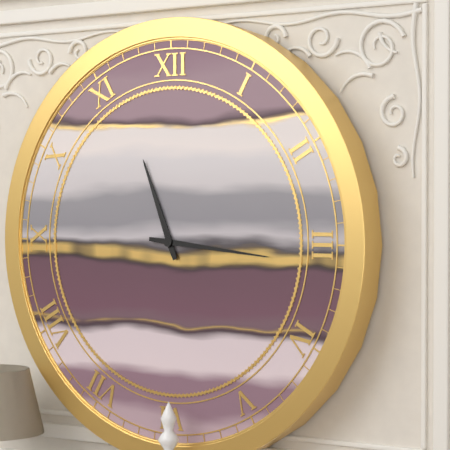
11:16
